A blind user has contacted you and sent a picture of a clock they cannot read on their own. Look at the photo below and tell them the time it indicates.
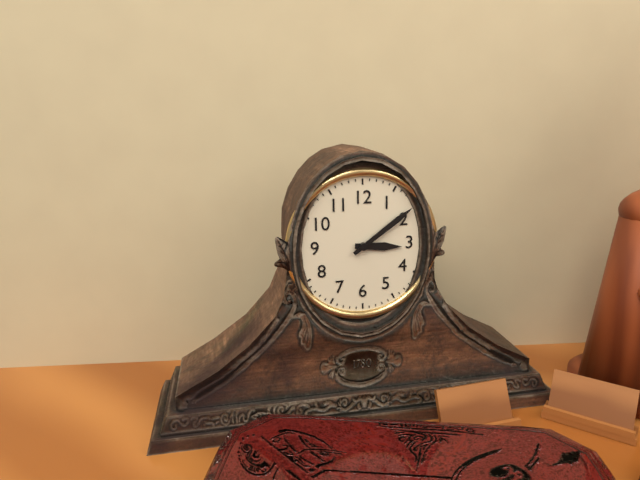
3:09
